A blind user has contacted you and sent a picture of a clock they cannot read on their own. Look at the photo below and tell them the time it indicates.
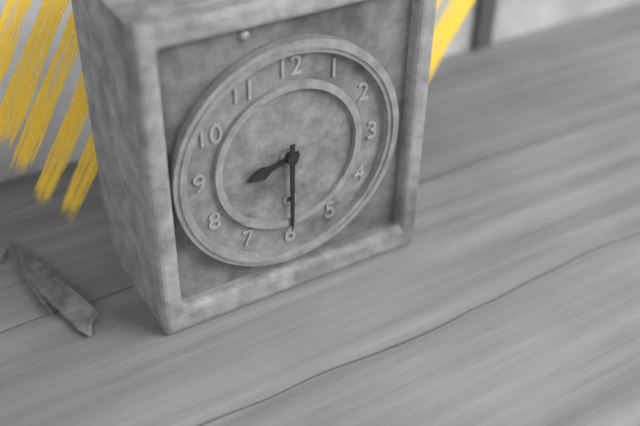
8:30
